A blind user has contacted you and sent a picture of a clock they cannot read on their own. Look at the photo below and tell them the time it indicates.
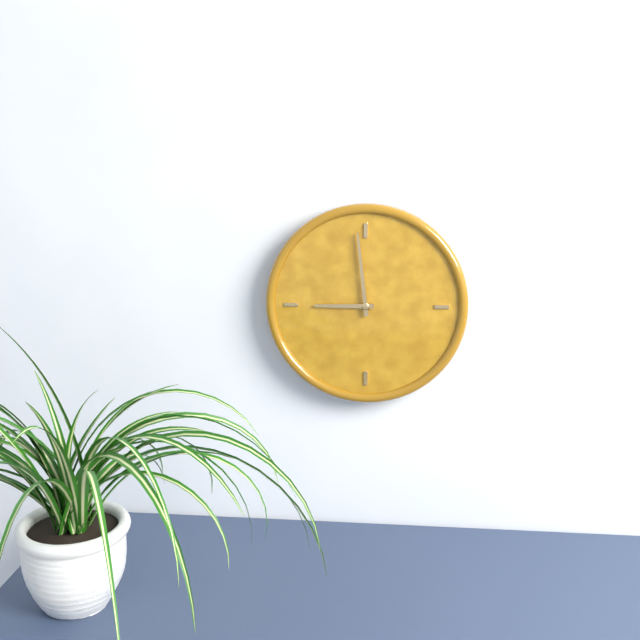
8:59
